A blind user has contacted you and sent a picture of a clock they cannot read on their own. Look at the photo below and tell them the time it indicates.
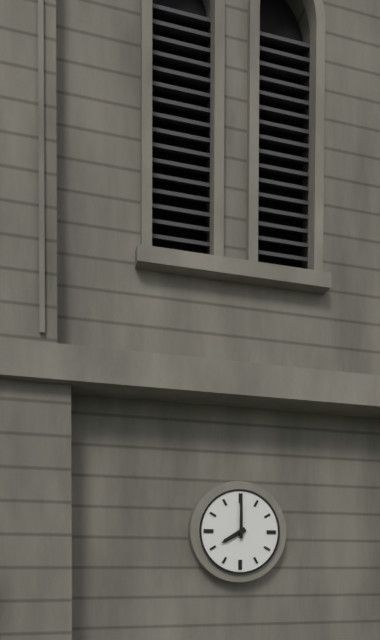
8:00
